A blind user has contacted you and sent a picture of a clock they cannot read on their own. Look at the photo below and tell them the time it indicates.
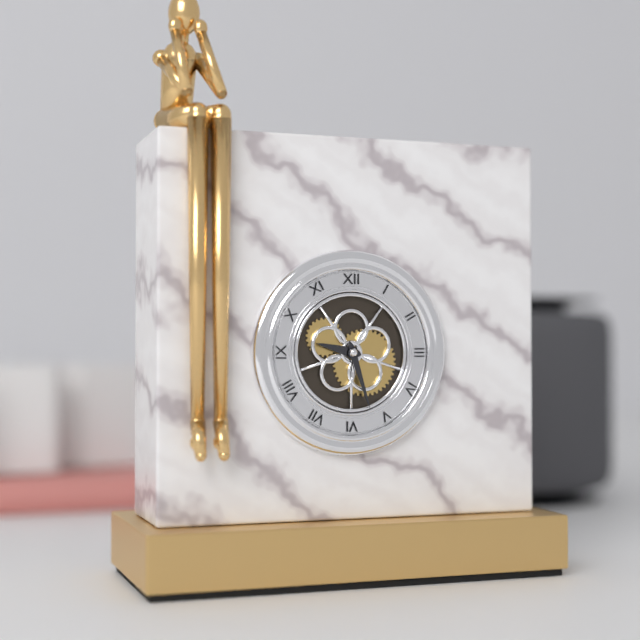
9:27
